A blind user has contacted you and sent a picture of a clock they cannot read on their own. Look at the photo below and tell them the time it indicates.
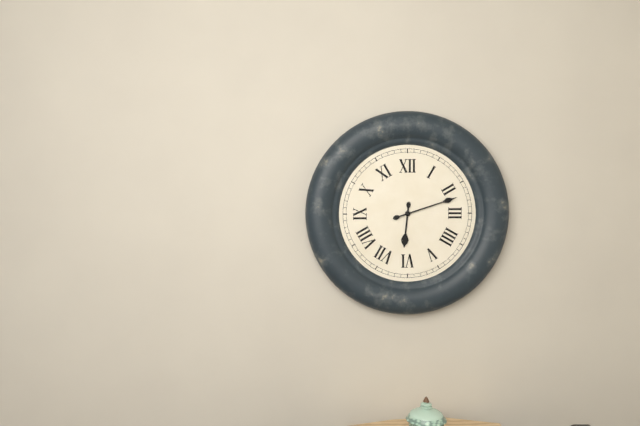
6:12
